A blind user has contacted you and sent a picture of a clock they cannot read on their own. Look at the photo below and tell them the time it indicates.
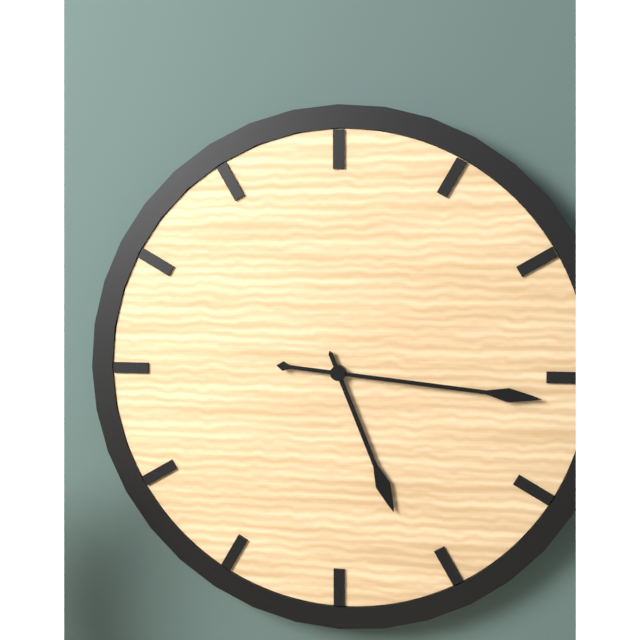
5:16
